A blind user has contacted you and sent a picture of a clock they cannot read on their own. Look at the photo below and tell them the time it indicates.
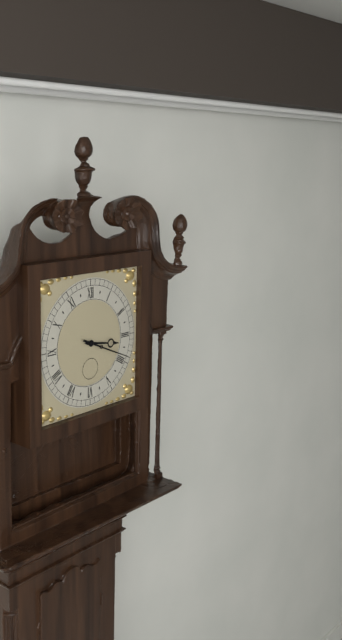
3:19
